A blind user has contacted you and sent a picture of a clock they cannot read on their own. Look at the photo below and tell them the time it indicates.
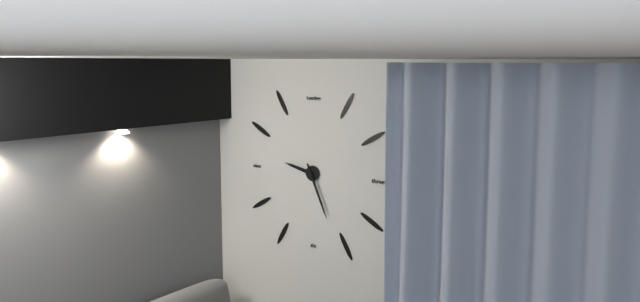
9:26
